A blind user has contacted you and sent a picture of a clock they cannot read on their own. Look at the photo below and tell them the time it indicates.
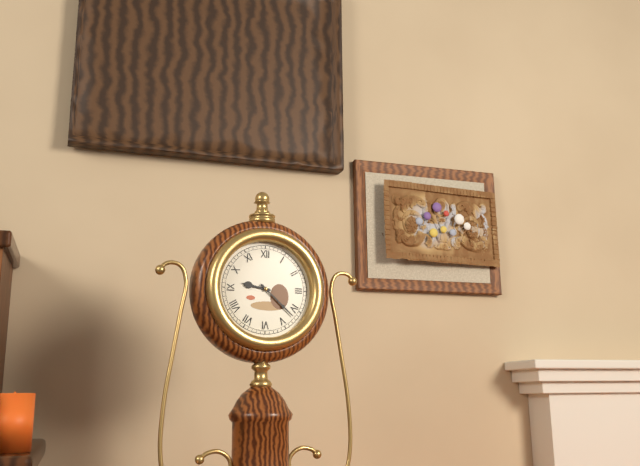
9:22
